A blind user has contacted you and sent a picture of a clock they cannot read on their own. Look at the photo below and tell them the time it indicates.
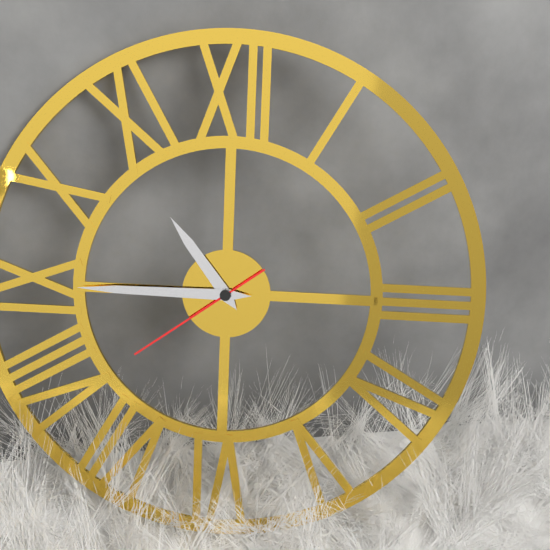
10:45:39
